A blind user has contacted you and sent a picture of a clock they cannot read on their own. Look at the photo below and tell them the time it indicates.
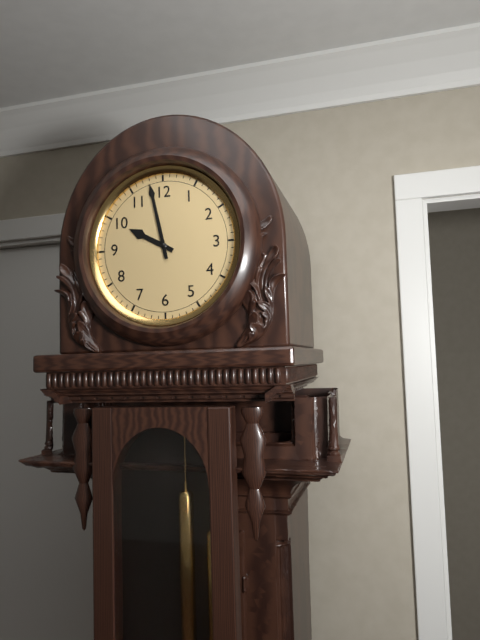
9:58
